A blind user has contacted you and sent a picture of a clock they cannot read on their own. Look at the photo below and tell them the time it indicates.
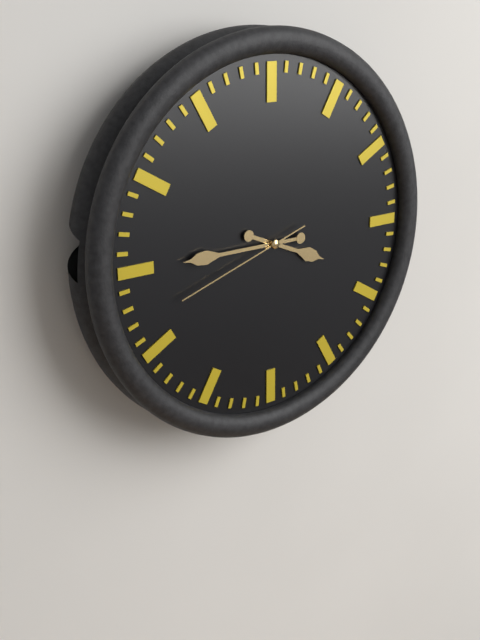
3:45:42
